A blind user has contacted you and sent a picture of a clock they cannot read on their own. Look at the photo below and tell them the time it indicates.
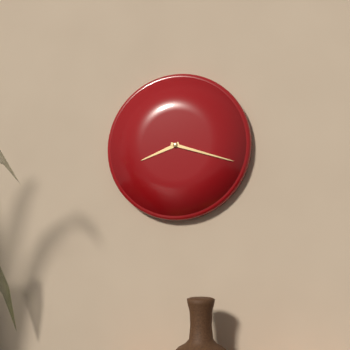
8:18
